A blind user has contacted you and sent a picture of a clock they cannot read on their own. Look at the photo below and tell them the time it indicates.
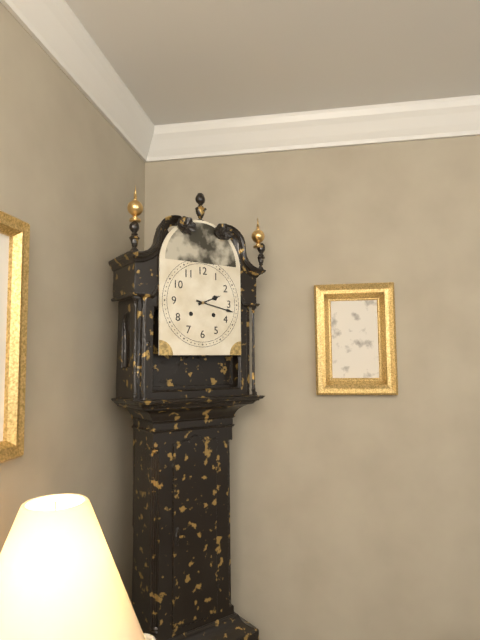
2:17
